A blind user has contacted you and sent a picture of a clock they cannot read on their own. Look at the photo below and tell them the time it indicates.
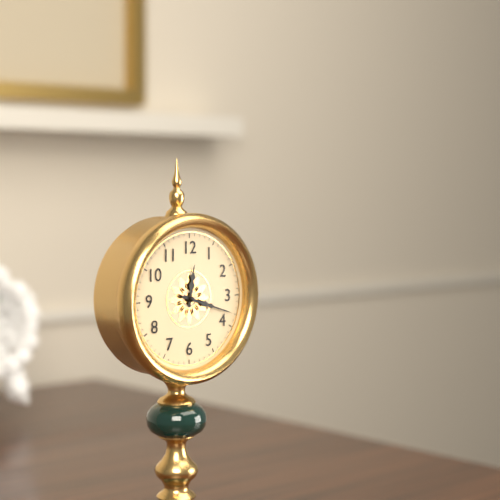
12:18
